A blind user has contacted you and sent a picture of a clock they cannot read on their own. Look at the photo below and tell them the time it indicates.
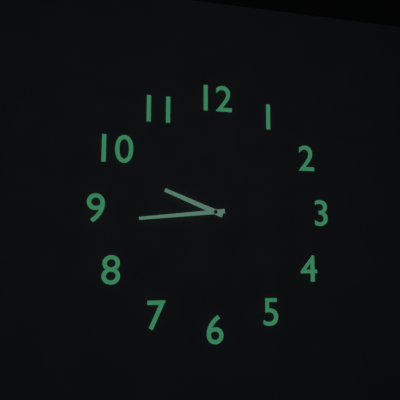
9:44
